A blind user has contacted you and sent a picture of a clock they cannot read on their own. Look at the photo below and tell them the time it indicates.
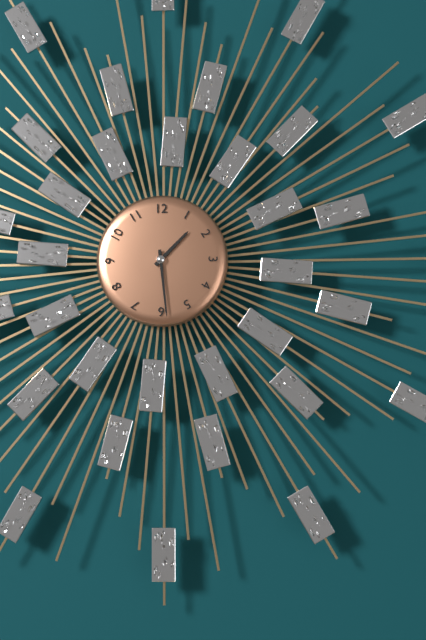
1:29
